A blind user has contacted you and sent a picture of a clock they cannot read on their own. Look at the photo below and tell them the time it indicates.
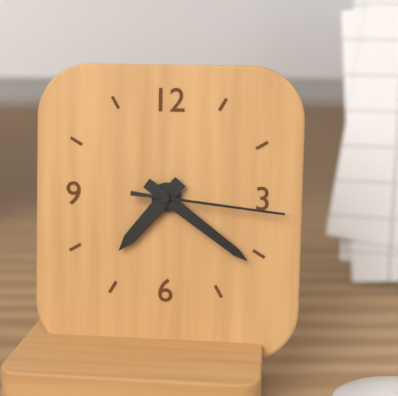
7:21:16
